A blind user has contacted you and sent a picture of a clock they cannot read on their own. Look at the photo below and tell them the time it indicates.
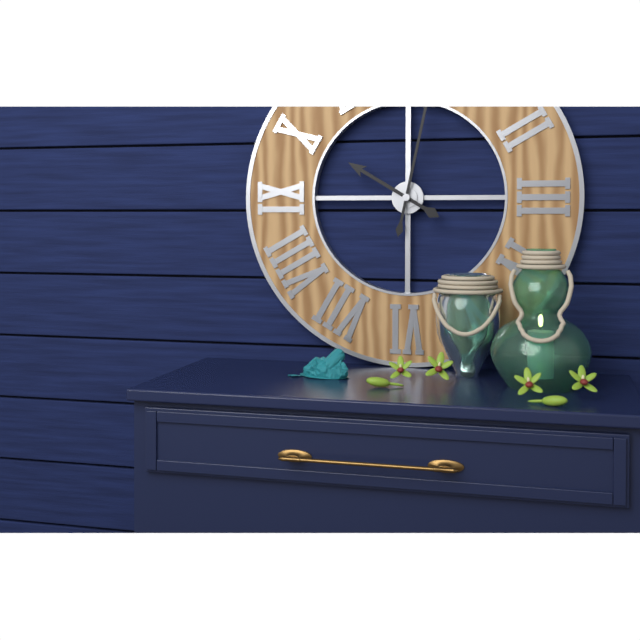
10:02
